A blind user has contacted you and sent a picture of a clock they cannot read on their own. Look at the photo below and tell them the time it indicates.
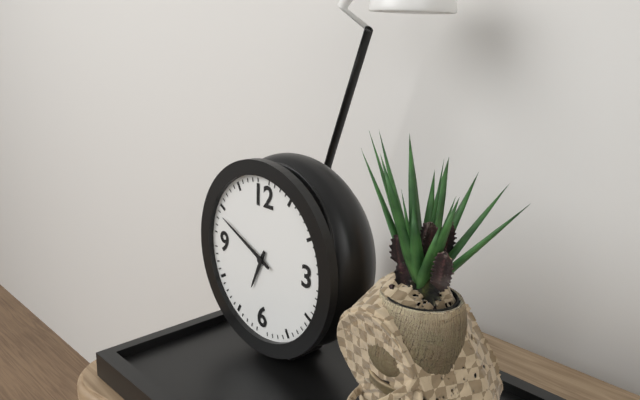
6:49
